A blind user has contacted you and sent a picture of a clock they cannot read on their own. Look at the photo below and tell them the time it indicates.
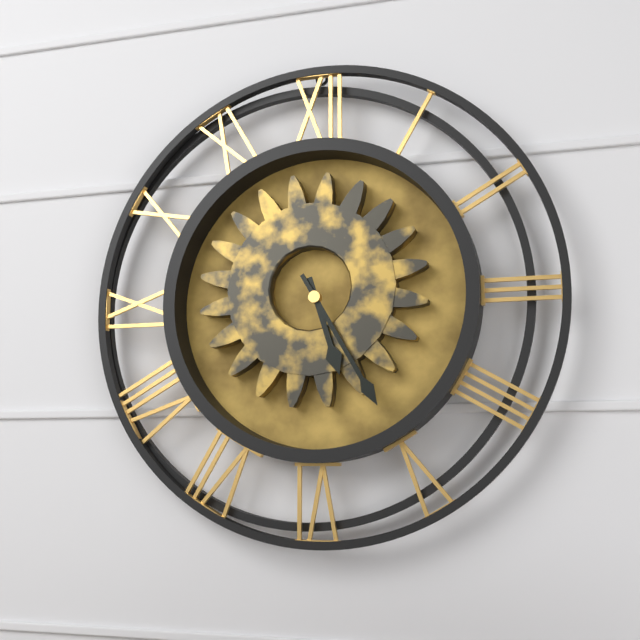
5:25
